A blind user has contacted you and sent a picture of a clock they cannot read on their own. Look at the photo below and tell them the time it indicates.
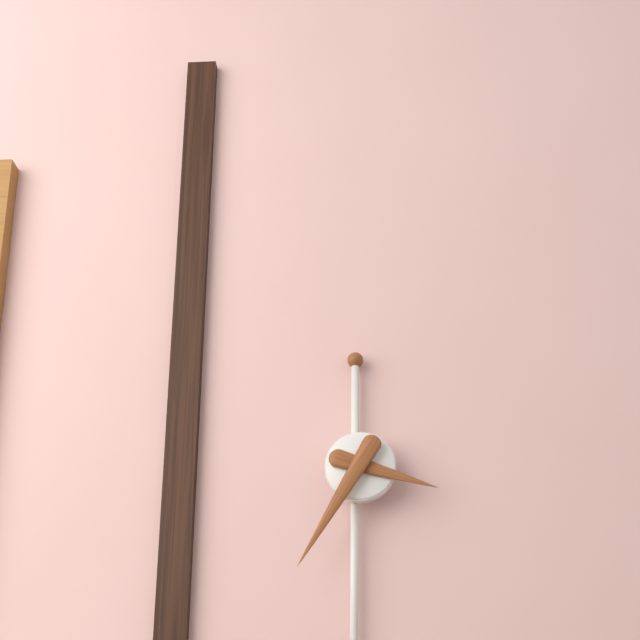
3:35
